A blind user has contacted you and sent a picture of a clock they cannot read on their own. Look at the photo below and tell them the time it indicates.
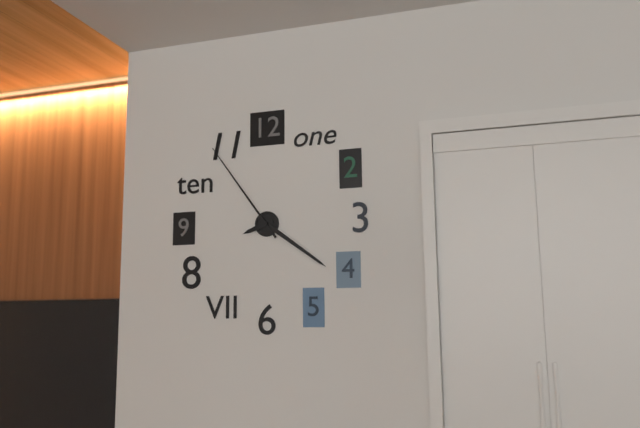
8:21:54
